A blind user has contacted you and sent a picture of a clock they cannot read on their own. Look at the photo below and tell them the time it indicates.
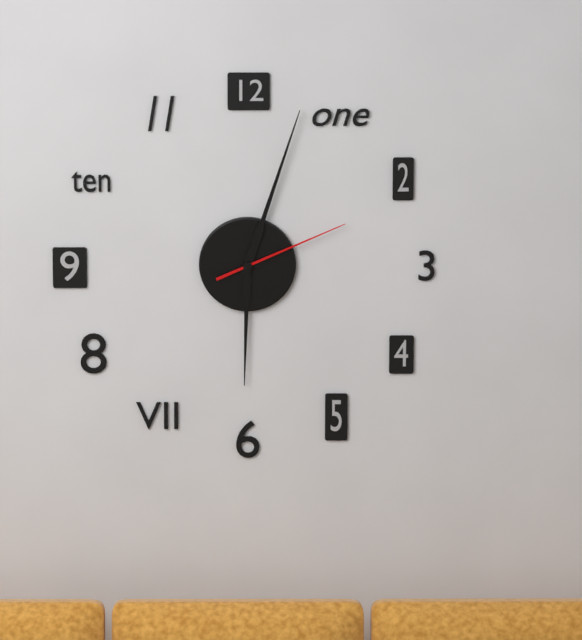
6:03:11
